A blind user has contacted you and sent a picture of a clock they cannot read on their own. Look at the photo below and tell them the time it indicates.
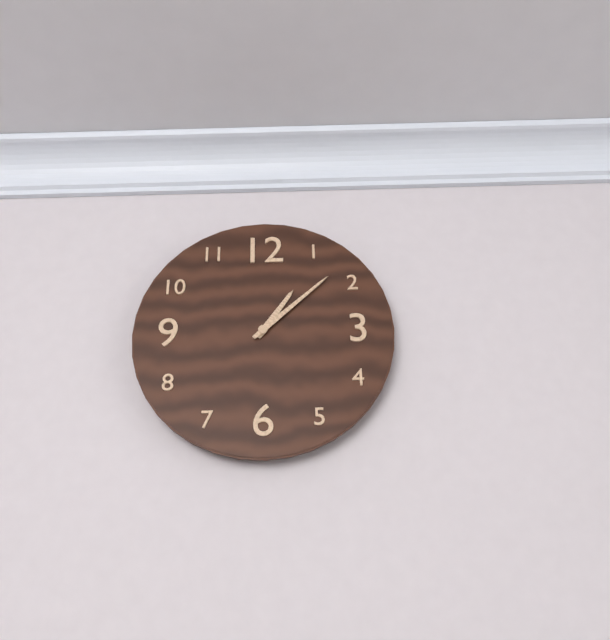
1:08
